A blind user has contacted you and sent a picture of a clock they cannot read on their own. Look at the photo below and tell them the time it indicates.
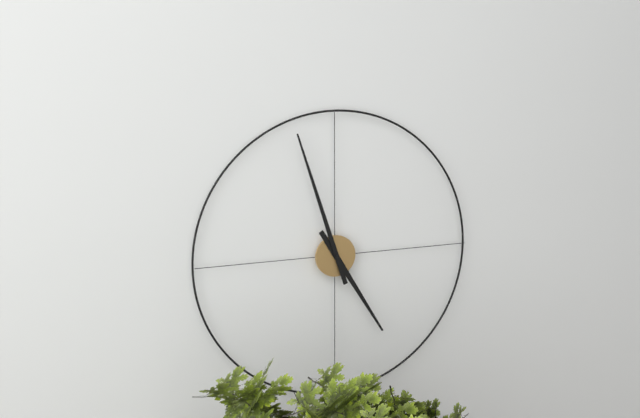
4:57
